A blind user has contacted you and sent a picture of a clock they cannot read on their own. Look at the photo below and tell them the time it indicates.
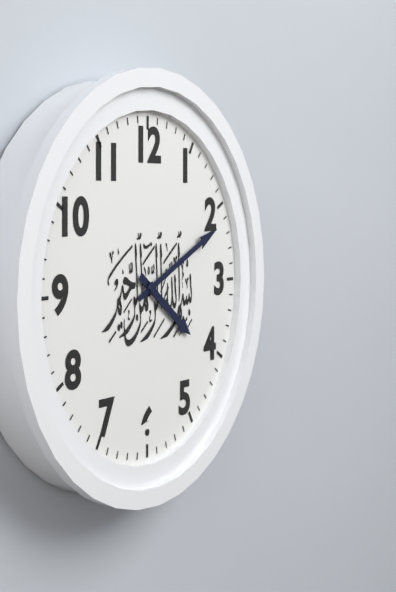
4:11
